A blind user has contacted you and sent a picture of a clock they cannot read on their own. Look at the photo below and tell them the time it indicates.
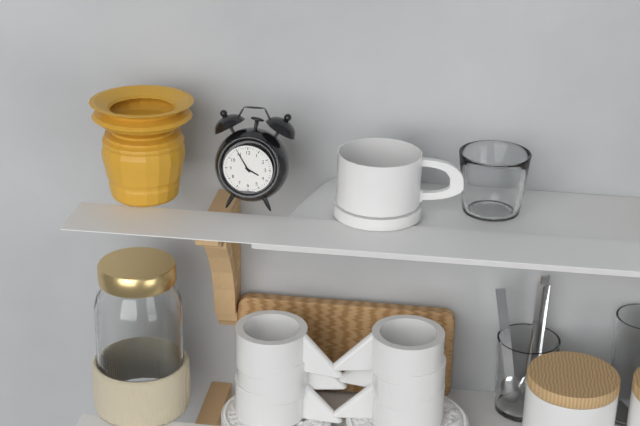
3:55
